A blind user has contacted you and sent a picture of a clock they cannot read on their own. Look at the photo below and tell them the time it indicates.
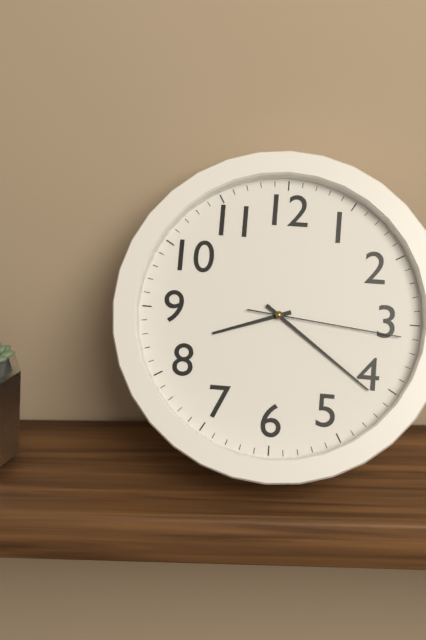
8:21:16
